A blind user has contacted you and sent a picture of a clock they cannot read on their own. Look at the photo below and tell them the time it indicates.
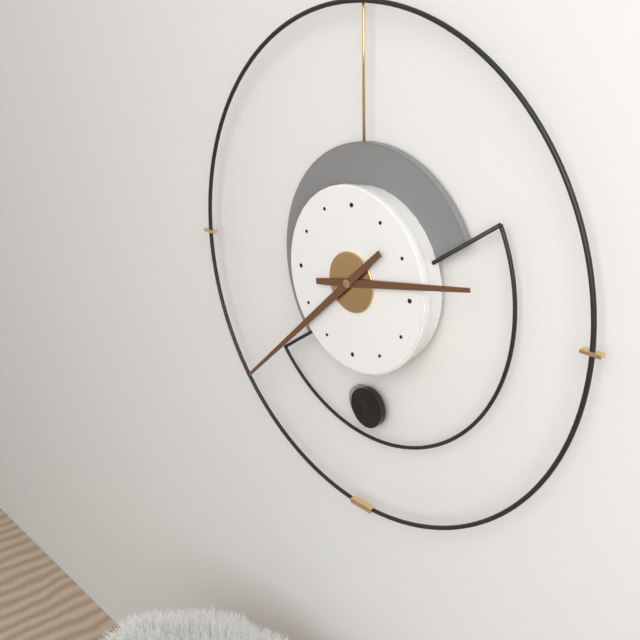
2:38
